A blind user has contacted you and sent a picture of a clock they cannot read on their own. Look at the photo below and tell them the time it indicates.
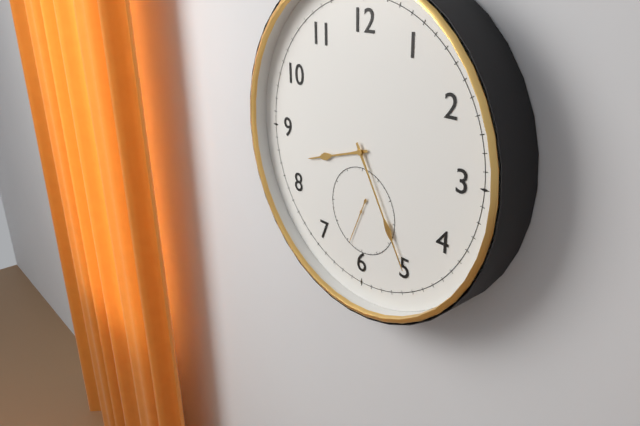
8:25
